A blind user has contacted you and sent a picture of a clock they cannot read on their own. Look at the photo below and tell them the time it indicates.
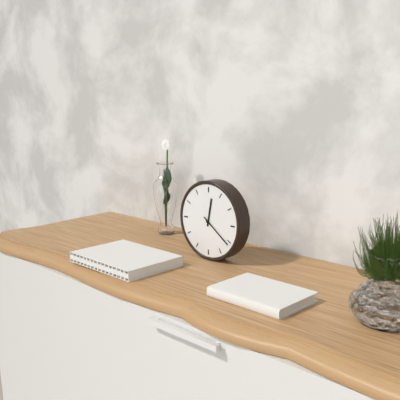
12:21
